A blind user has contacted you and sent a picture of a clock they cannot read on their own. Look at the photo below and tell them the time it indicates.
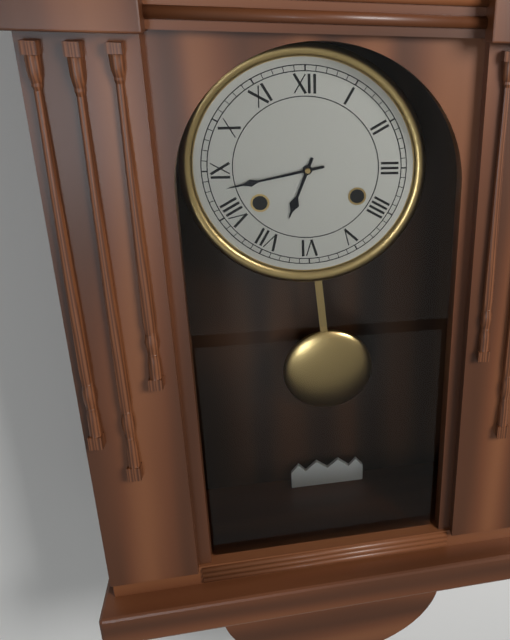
6:43
